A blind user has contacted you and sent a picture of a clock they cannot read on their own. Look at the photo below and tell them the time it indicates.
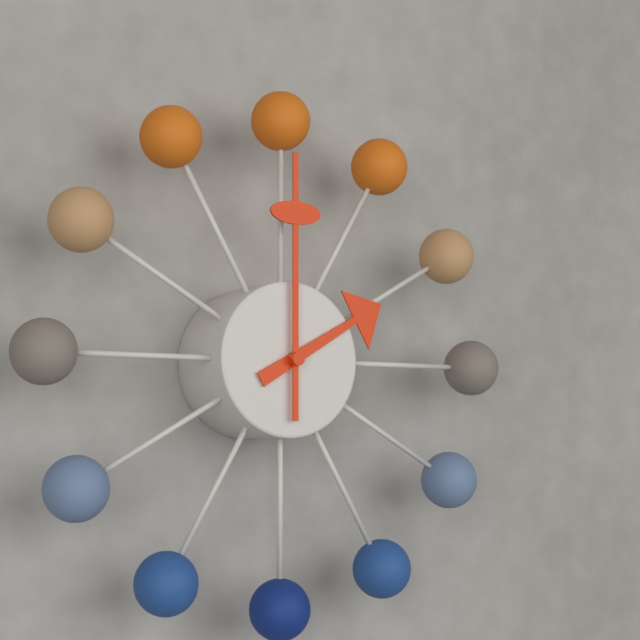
2:00
